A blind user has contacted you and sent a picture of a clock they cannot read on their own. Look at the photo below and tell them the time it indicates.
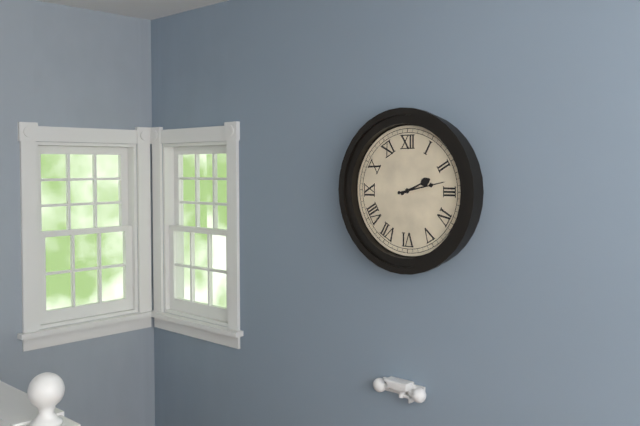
2:13
